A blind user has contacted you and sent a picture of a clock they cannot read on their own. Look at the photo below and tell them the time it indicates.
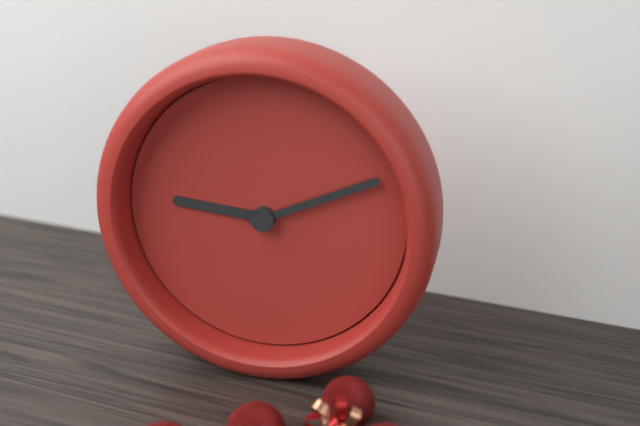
9:11
